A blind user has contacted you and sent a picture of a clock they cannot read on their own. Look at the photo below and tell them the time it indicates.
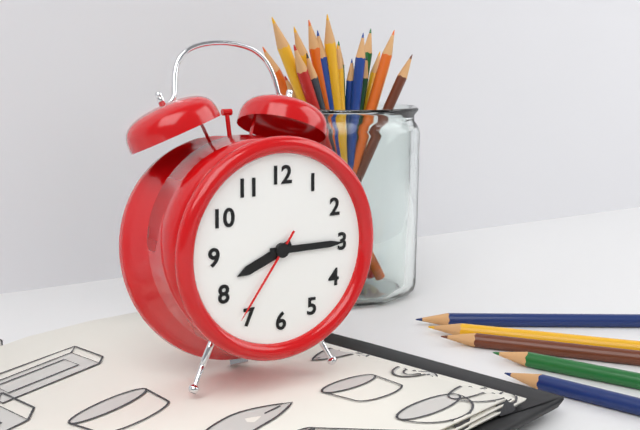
8:15:36
